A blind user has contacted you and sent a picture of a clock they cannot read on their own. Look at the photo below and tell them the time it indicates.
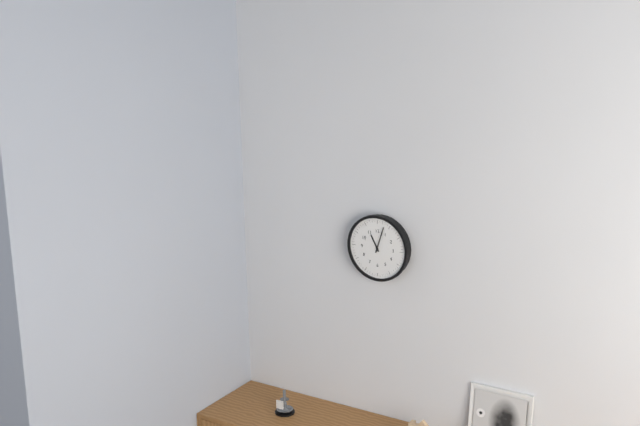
11:03
